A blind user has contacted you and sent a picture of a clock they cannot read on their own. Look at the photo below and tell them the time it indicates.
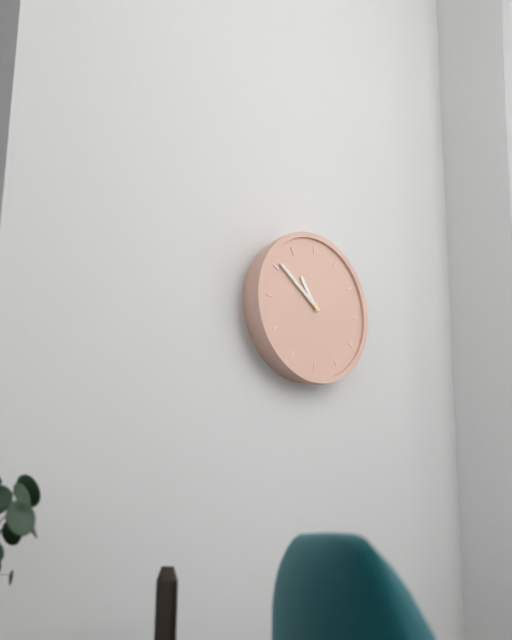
10:51
